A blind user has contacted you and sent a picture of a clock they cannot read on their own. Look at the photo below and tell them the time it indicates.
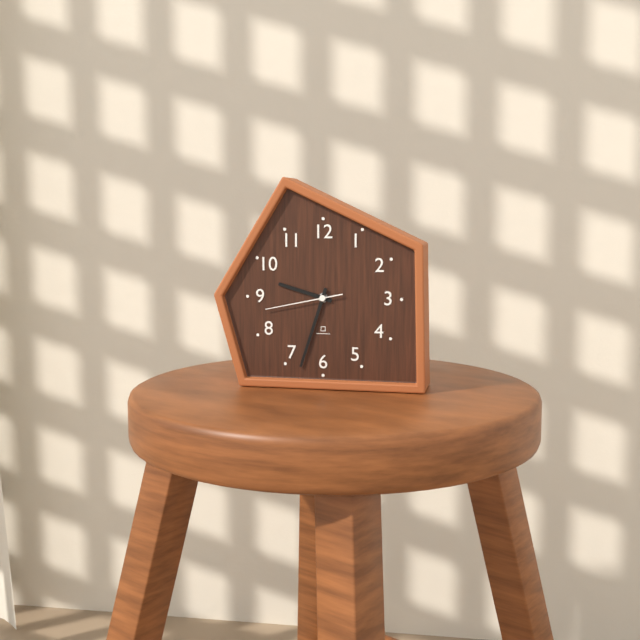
9:33:43
